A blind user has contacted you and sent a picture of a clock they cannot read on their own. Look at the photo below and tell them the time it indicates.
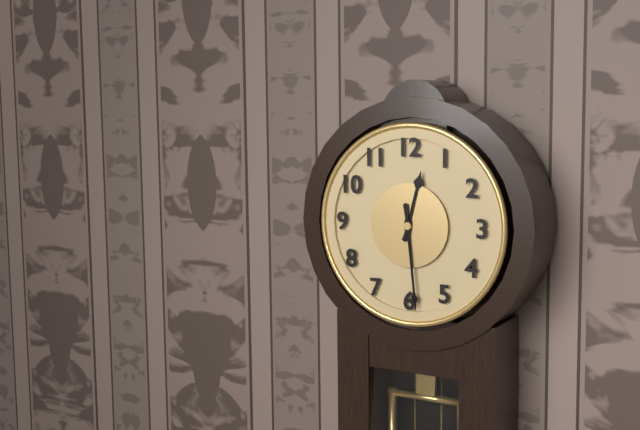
12:29
